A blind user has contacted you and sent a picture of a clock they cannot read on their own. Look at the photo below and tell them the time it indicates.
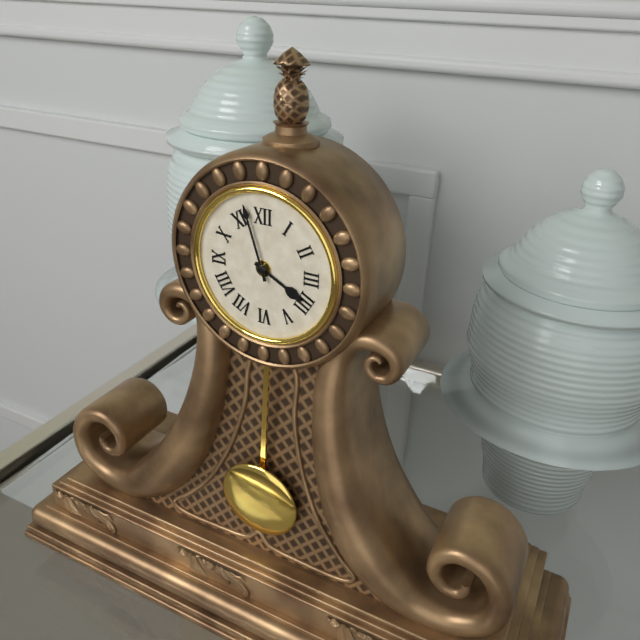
3:57
